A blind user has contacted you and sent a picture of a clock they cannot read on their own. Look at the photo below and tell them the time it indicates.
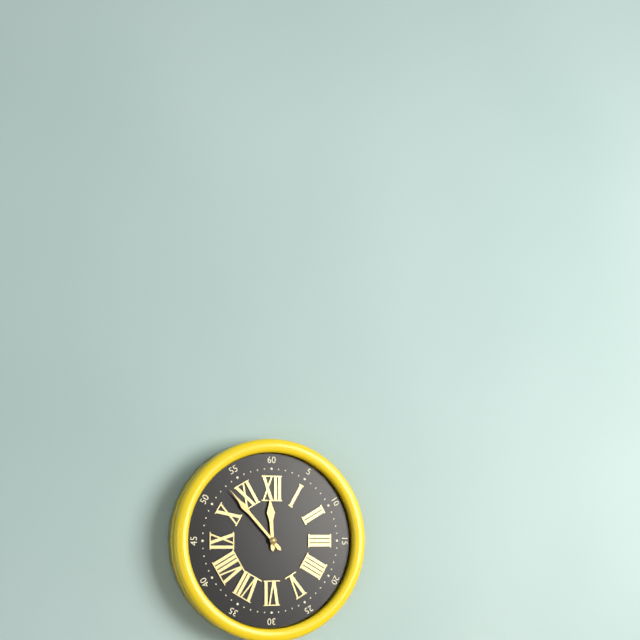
11:53
